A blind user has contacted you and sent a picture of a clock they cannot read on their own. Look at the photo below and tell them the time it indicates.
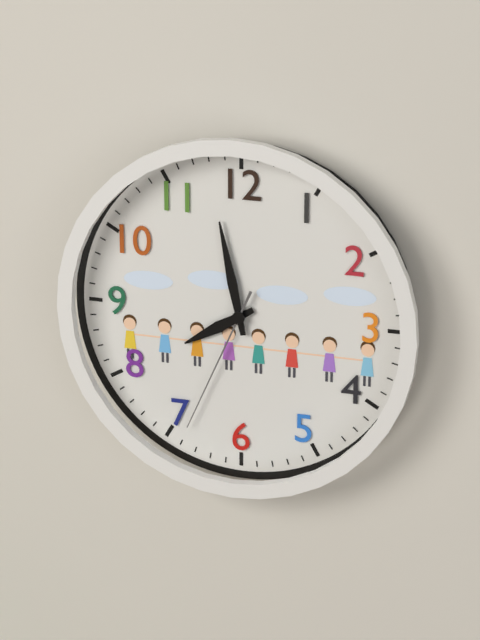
7:58:34
